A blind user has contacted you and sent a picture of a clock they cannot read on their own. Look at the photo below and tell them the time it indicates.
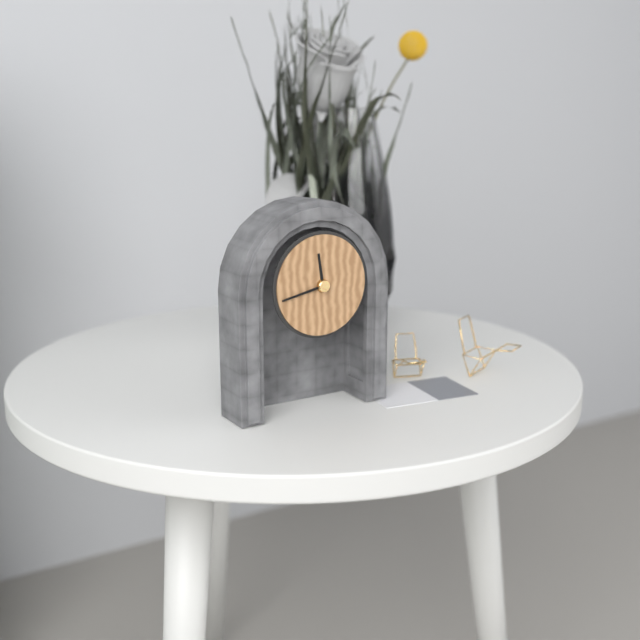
11:43
